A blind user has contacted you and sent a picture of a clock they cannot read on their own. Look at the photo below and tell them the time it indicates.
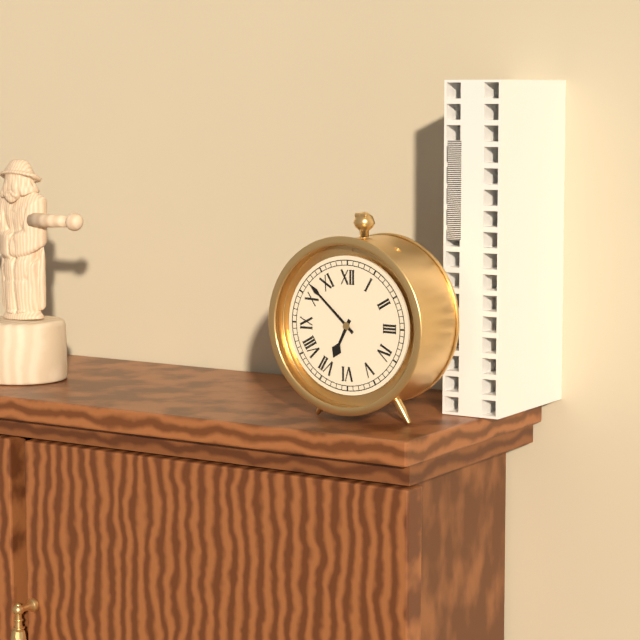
6:52
